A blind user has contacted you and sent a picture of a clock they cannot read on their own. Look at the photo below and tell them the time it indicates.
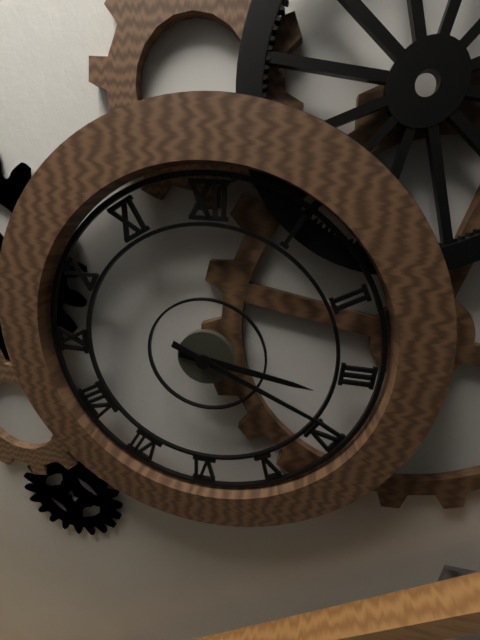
3:19
